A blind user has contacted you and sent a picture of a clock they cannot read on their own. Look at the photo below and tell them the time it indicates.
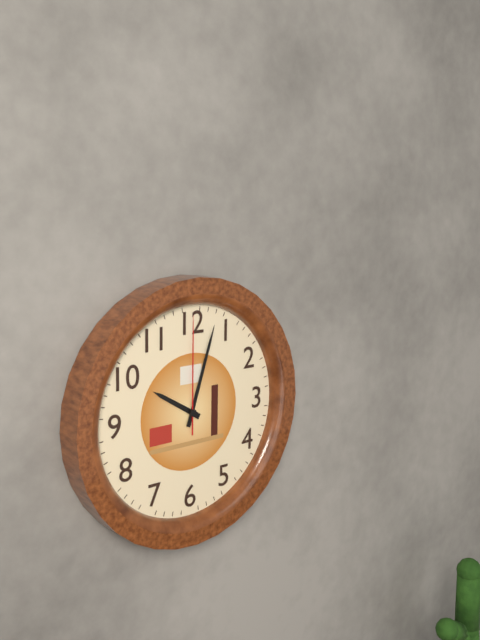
10:03:00
